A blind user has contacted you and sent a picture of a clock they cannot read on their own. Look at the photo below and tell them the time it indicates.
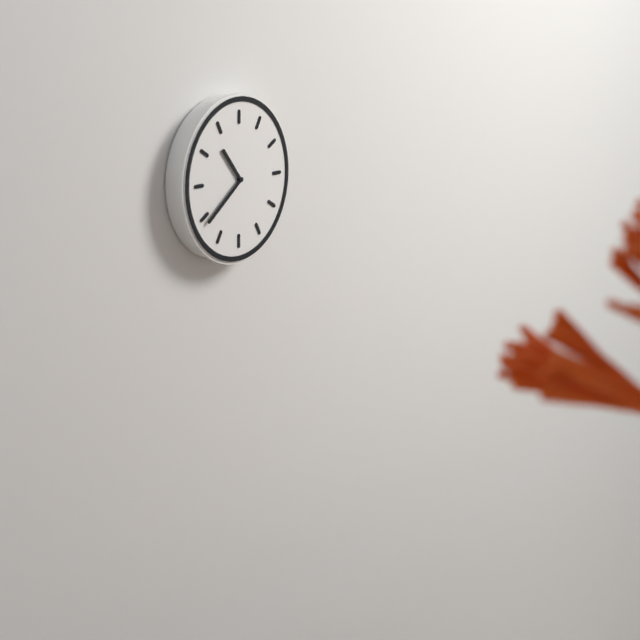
10:39
